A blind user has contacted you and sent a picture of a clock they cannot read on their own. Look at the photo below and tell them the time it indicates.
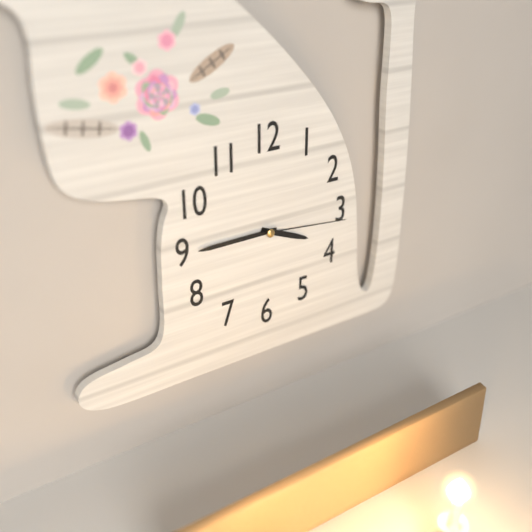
3:45:16
